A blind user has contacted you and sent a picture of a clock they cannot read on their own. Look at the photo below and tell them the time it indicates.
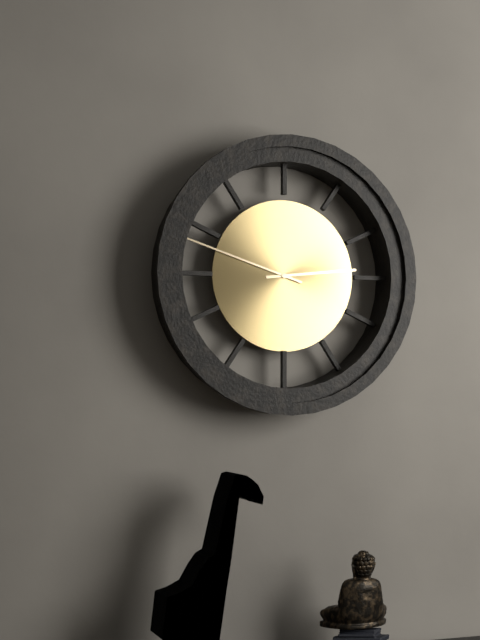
2:48
